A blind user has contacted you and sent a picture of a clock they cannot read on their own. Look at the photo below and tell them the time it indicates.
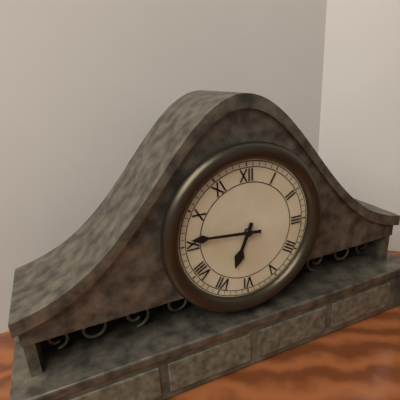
6:46
